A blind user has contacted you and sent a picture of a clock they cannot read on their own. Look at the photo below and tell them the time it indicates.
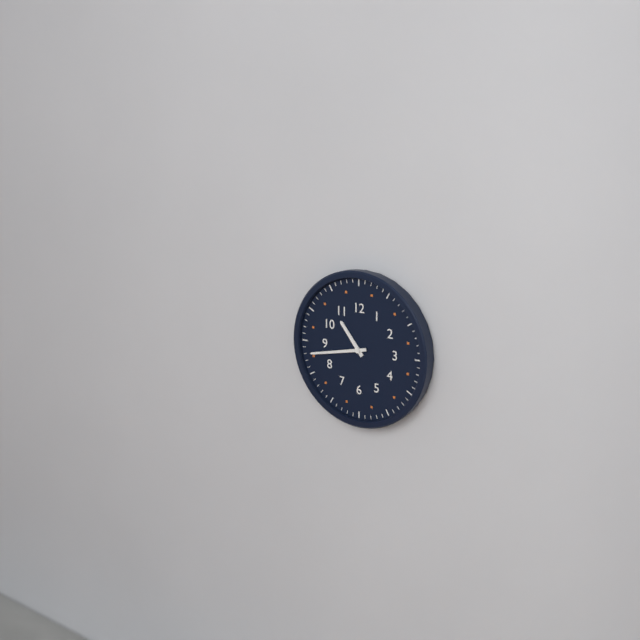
10:43
